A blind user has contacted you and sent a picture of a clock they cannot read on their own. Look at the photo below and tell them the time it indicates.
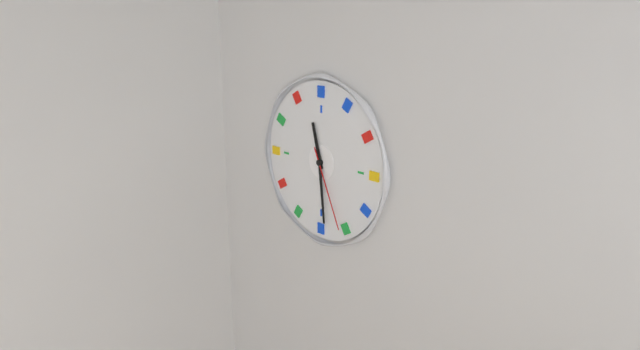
11:29:26
